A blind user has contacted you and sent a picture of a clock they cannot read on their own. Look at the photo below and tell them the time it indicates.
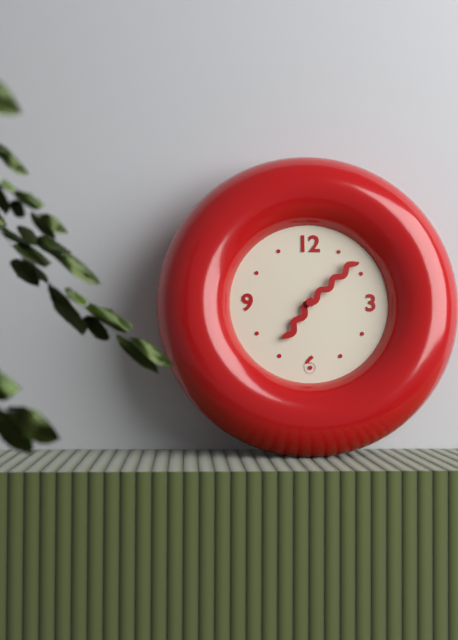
7:08
